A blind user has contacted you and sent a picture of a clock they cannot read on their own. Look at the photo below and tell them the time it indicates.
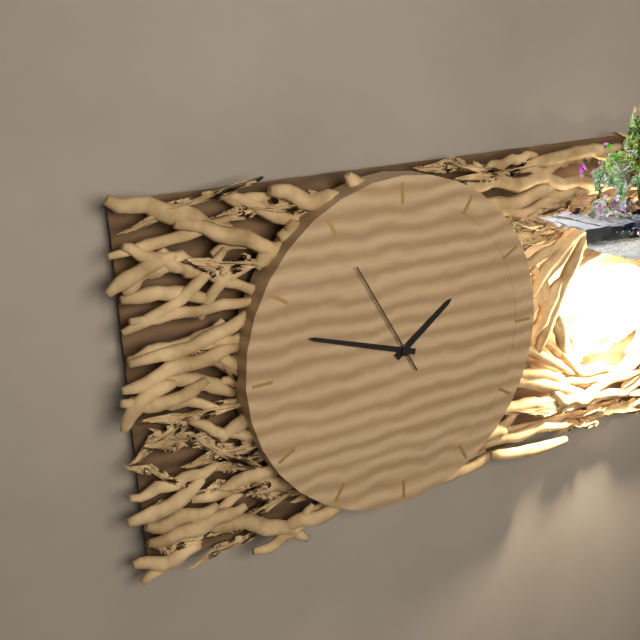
1:48:55
